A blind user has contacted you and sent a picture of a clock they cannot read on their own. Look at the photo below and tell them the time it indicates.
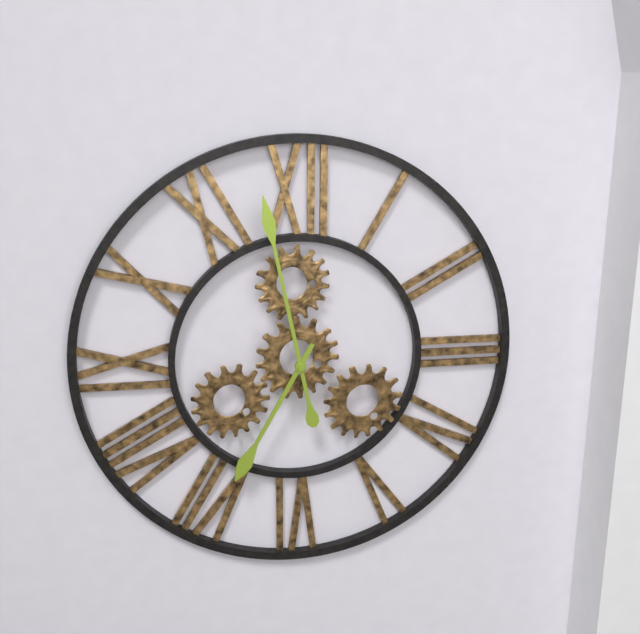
6:58
